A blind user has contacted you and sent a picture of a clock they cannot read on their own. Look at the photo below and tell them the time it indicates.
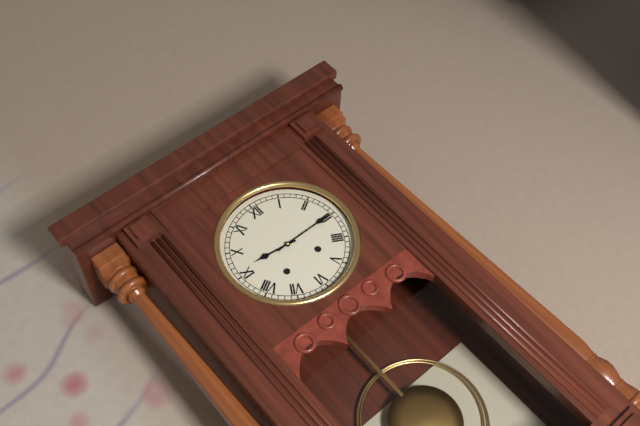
9:15
